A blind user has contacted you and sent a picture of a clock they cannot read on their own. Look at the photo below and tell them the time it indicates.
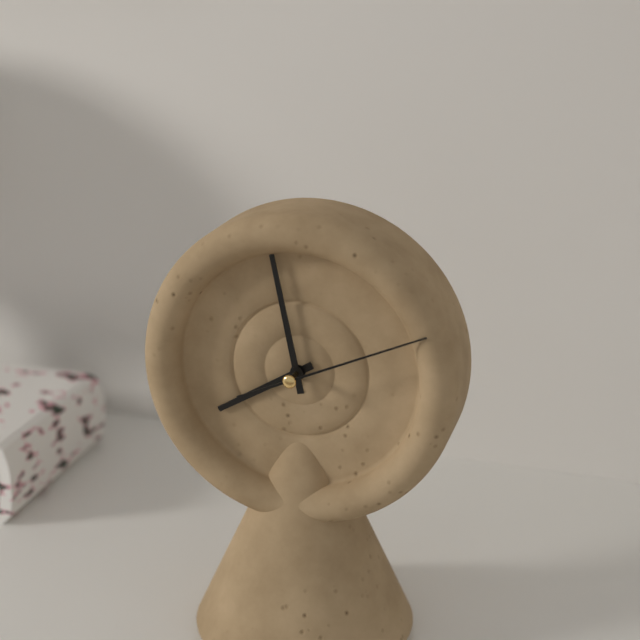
7:58:11
